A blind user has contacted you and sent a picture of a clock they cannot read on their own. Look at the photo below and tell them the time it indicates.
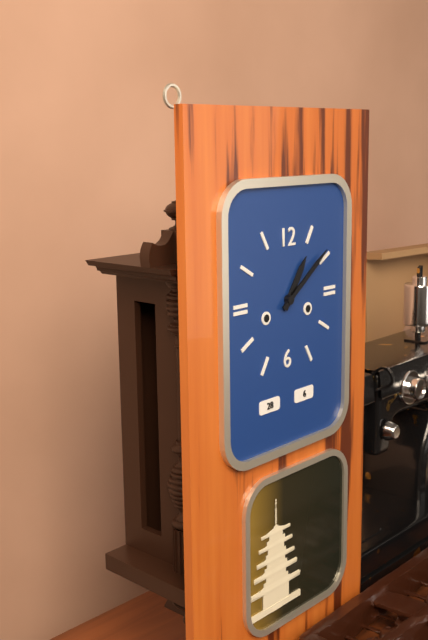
1:09
